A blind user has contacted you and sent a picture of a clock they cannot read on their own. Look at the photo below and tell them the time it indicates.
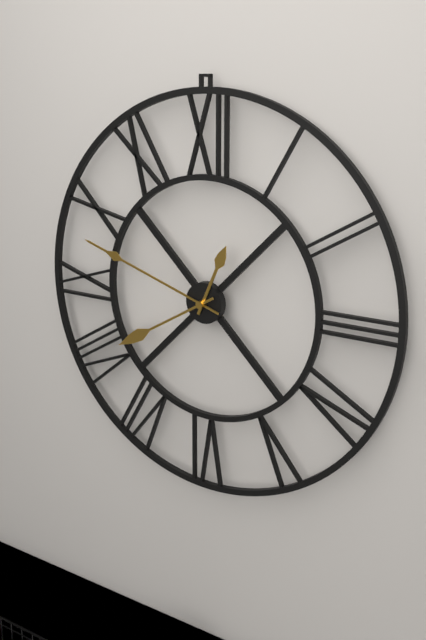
12:48:40
